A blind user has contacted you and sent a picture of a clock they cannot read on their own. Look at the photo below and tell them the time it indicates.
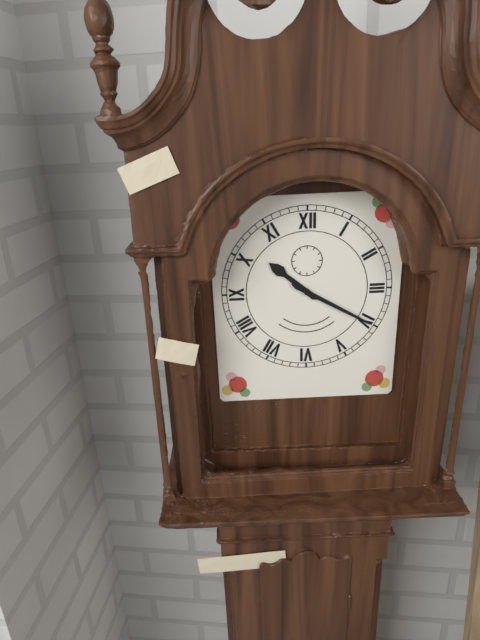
10:20
